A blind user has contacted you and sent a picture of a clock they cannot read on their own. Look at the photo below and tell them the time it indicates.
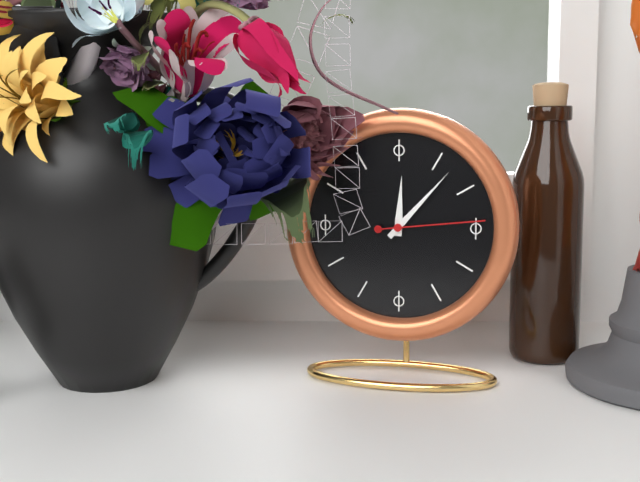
12:07:14
